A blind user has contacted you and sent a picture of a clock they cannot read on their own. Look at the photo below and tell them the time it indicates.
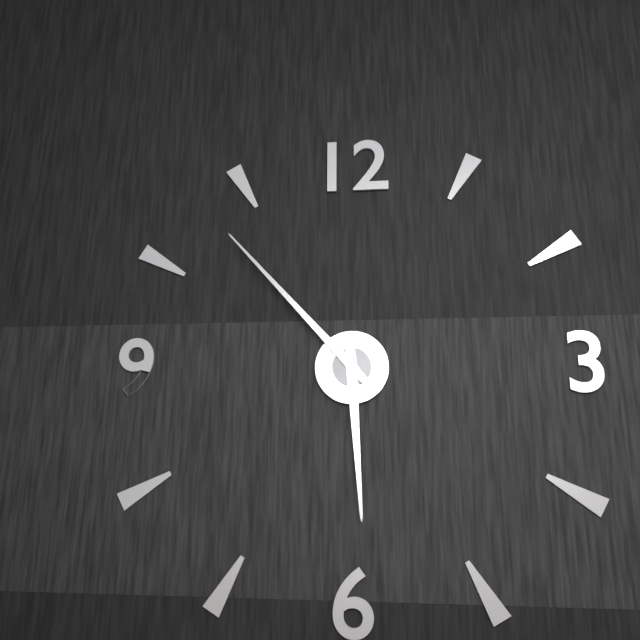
5:53
